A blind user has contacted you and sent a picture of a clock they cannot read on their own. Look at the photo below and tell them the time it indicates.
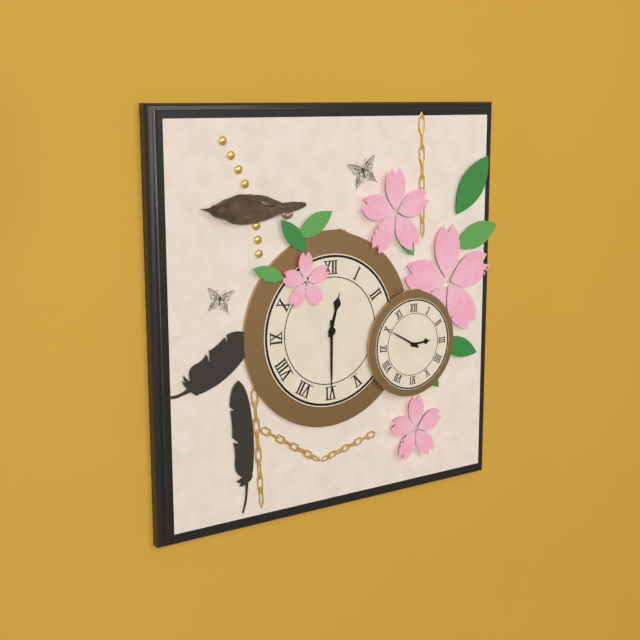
12:30
